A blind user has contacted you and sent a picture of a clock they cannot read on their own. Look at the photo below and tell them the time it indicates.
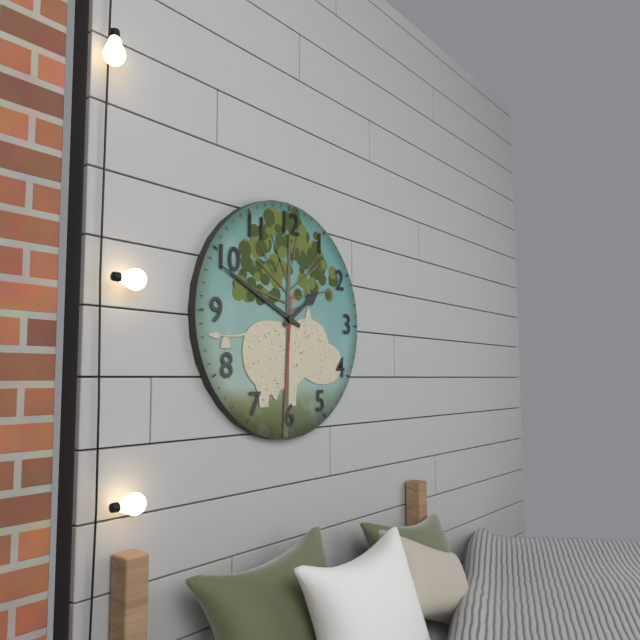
1:49:31
